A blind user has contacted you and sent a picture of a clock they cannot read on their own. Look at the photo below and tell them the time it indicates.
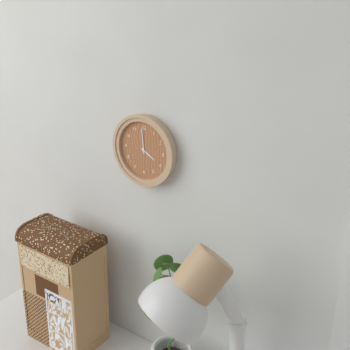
3:59
